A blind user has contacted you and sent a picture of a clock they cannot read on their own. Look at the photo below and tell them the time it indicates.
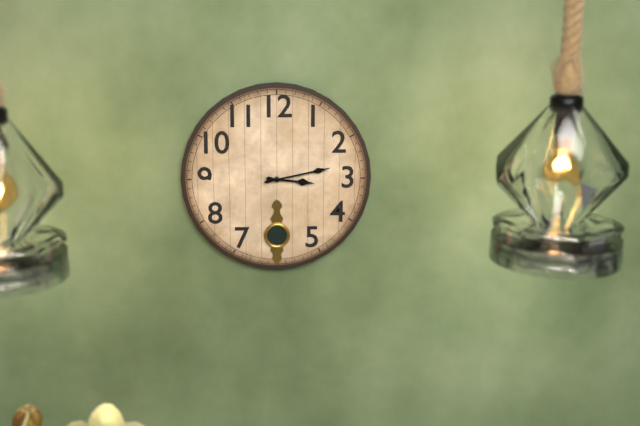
3:13
